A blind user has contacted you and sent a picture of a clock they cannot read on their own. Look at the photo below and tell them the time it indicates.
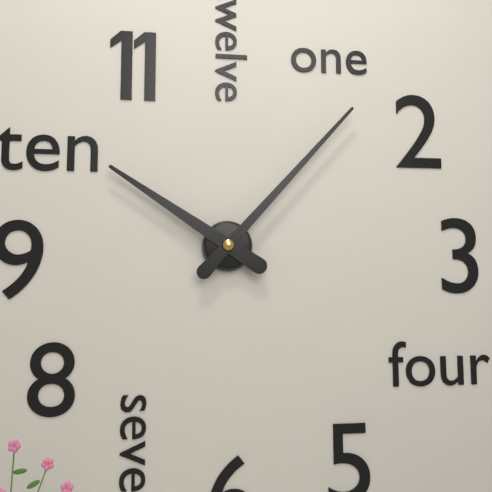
10:07
